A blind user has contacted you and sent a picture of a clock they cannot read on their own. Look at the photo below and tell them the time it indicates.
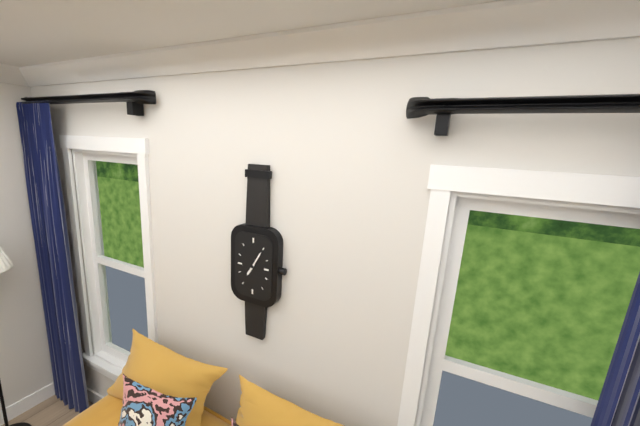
7:05
